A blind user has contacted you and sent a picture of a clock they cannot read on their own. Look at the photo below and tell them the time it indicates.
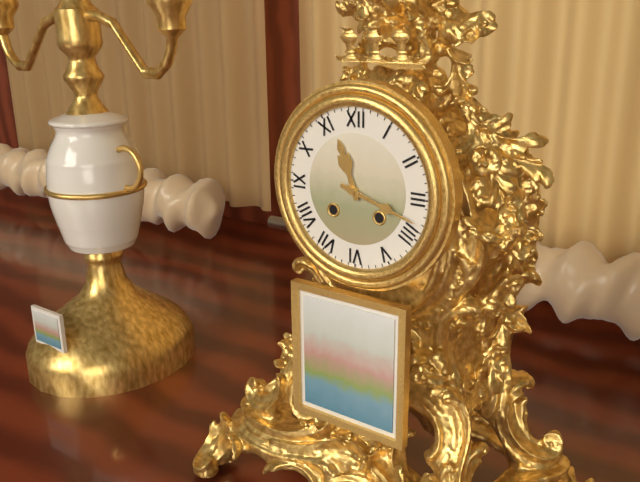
11:18
